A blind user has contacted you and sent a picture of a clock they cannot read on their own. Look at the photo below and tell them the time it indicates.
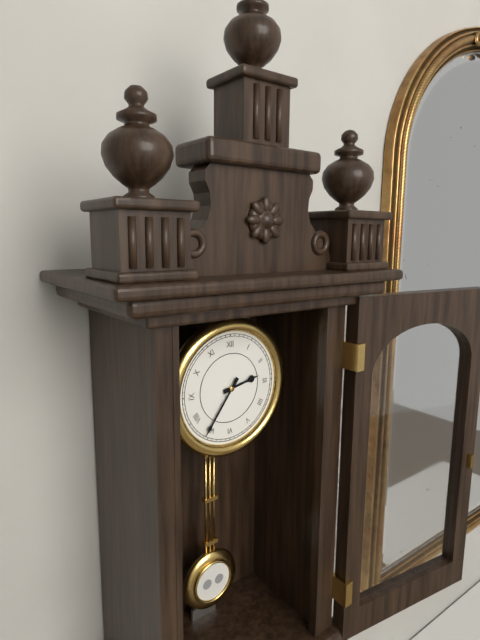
2:36
